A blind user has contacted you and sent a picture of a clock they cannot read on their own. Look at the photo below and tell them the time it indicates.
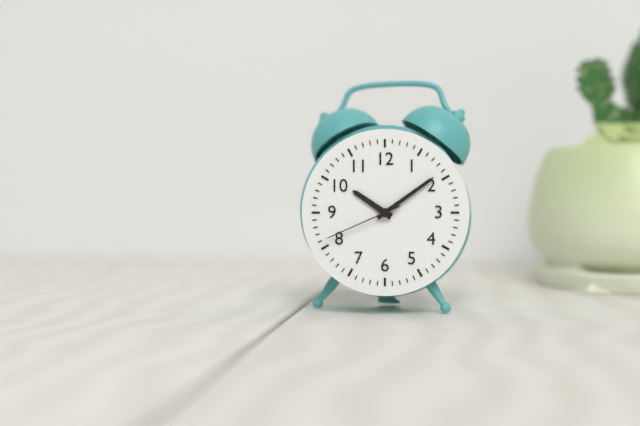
10:09:41
